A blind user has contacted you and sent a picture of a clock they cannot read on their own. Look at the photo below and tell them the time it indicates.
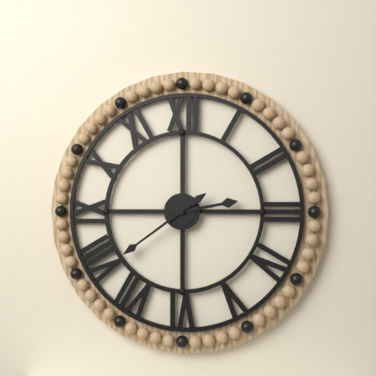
2:39
